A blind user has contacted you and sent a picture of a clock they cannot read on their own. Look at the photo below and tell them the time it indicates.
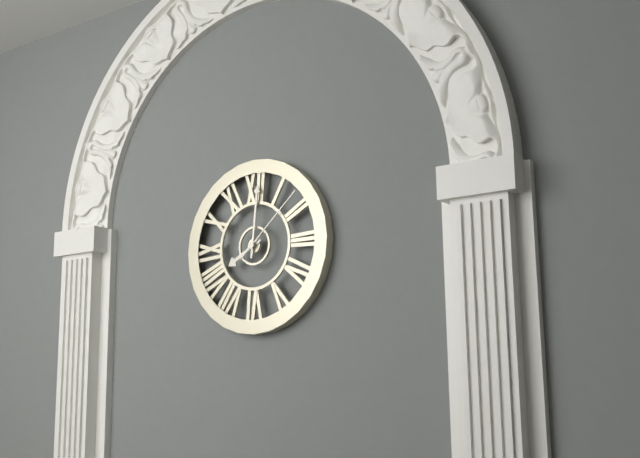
8:01:08
